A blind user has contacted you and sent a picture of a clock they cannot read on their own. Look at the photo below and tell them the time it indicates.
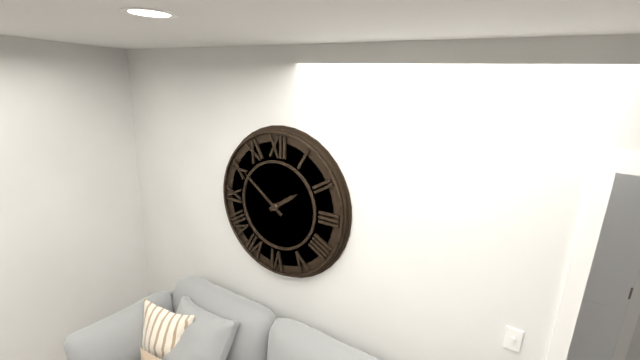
1:51
